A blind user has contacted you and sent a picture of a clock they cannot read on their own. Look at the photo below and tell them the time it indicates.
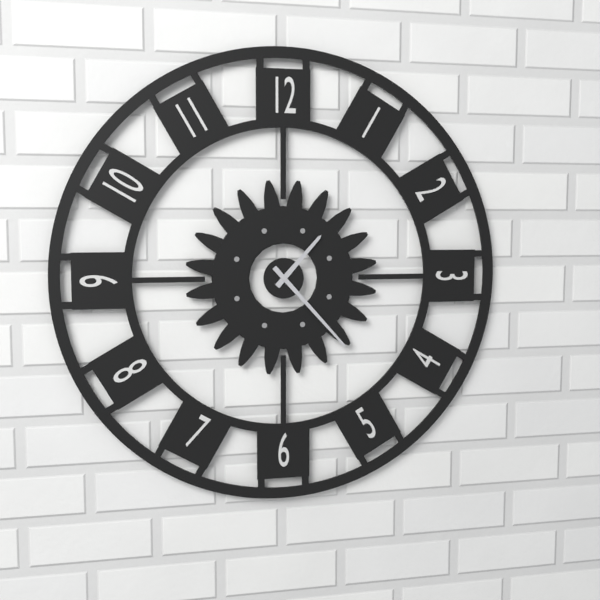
1:23
